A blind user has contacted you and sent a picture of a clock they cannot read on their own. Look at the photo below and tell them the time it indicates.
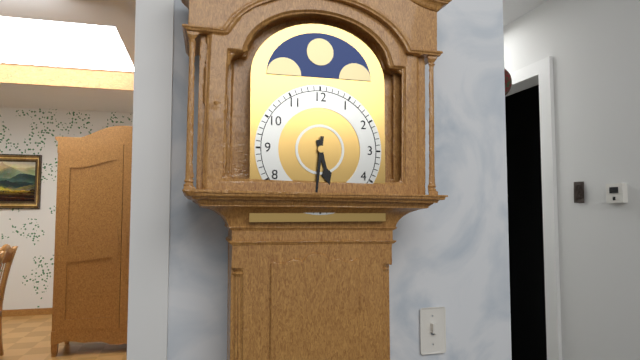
5:31
